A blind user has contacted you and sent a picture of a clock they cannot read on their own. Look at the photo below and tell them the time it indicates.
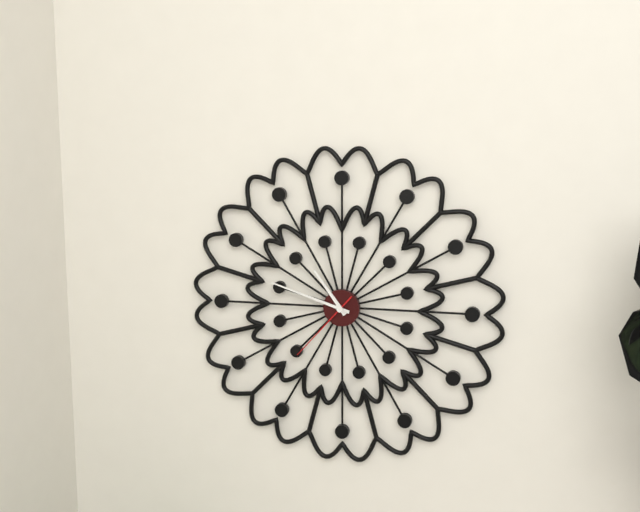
10:48:37
